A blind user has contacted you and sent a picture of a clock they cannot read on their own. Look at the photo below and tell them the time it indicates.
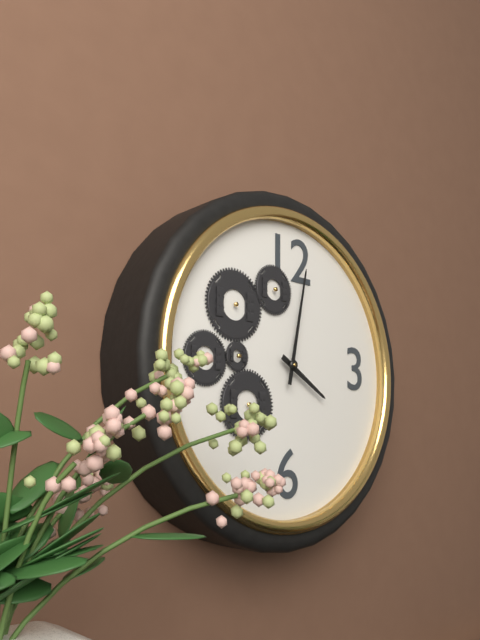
4:02
